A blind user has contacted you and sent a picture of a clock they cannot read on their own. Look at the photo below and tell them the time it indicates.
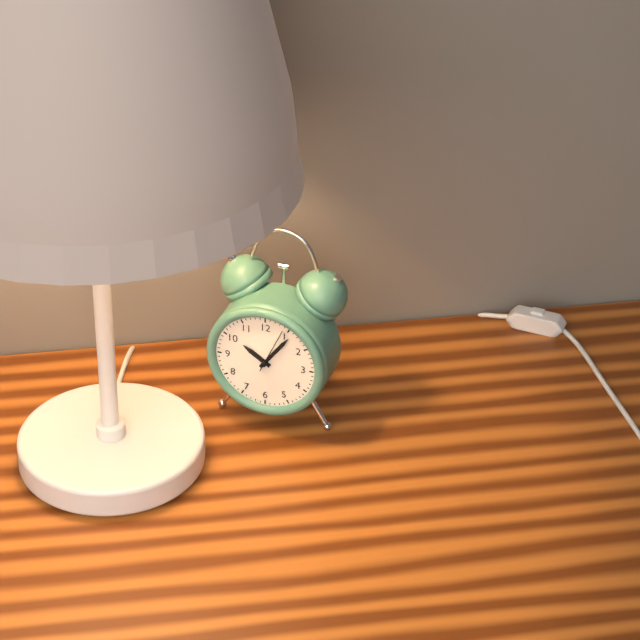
10:06
